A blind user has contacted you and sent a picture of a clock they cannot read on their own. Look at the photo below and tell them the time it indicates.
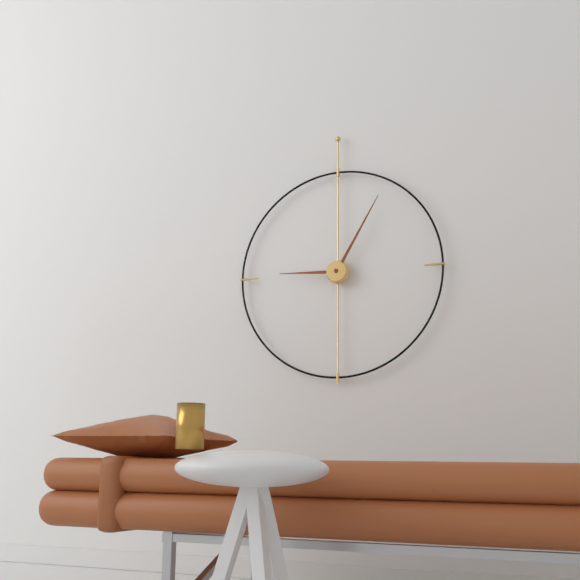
9:05
